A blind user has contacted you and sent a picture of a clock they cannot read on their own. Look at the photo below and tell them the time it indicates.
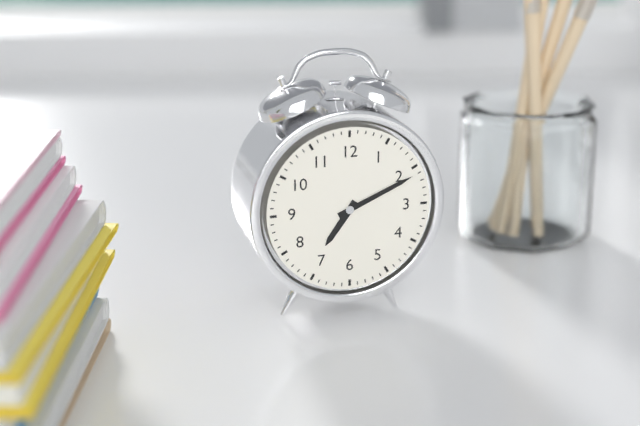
7:11
